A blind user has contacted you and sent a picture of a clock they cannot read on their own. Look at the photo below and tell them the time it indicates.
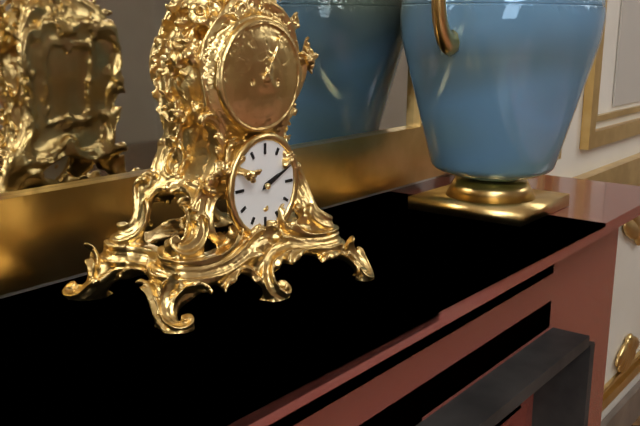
2:11
